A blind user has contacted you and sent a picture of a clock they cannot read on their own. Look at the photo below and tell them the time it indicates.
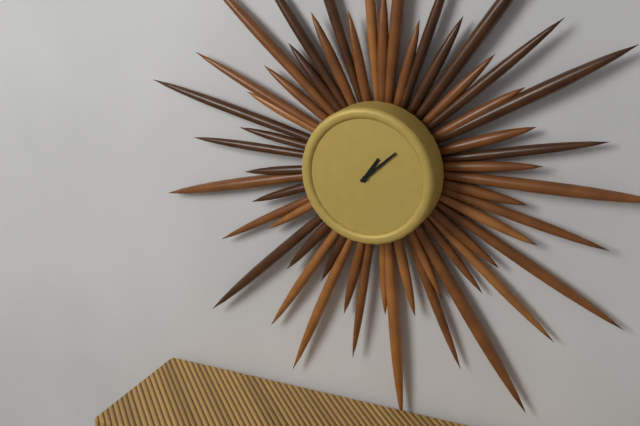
1:08
